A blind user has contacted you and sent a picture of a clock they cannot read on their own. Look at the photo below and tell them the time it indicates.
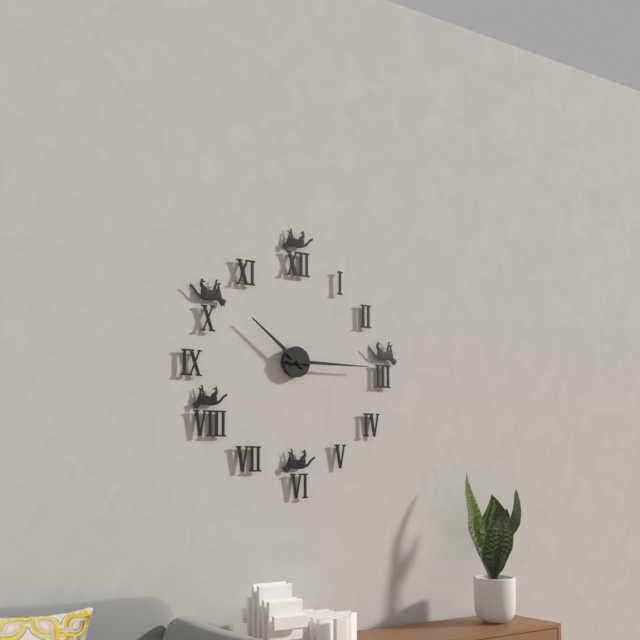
10:15
